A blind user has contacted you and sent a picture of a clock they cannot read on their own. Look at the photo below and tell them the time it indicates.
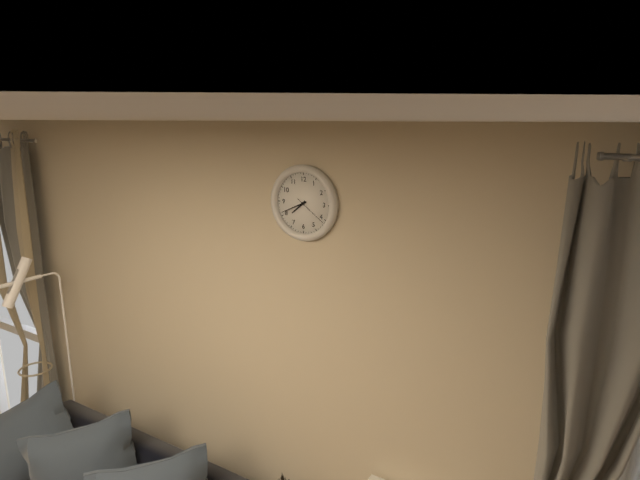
7:41
